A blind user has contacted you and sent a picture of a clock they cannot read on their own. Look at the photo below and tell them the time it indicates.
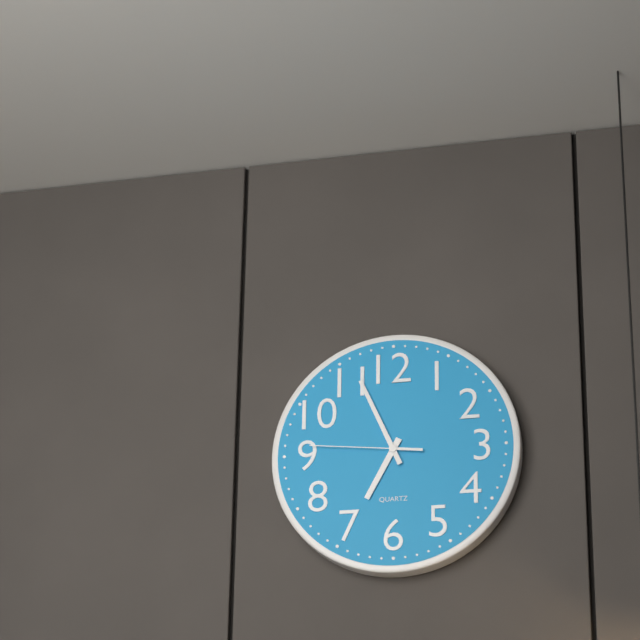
6:56:46
